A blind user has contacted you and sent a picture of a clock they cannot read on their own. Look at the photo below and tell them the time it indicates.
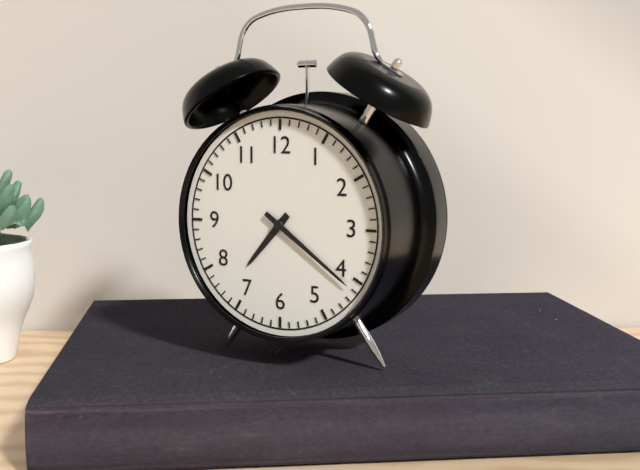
7:21
